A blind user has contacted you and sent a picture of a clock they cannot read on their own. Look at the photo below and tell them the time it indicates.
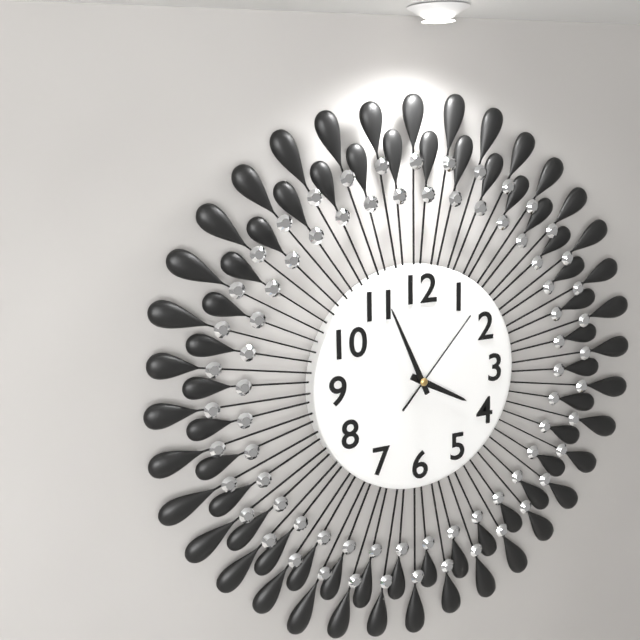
3:56:07
